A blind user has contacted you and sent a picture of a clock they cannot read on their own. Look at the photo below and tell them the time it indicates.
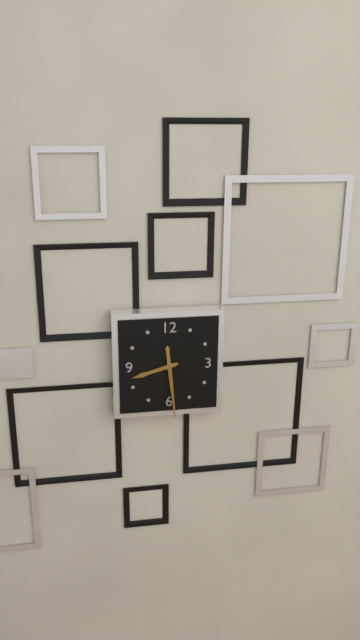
8:29
